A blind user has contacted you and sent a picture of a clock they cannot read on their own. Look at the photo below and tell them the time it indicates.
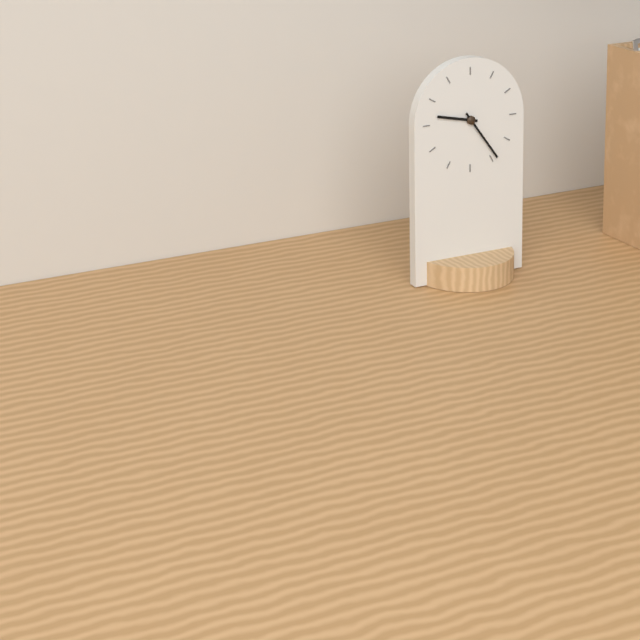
9:24
